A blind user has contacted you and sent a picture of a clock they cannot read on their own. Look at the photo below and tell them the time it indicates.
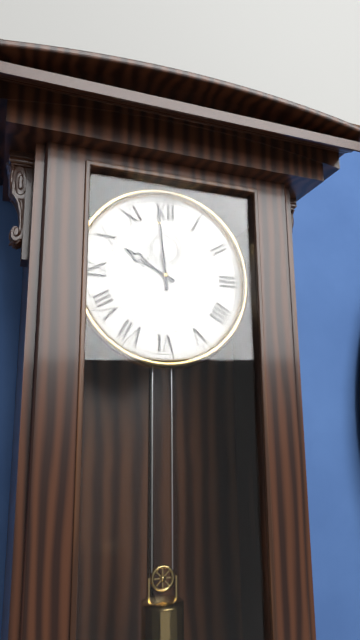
9:59
